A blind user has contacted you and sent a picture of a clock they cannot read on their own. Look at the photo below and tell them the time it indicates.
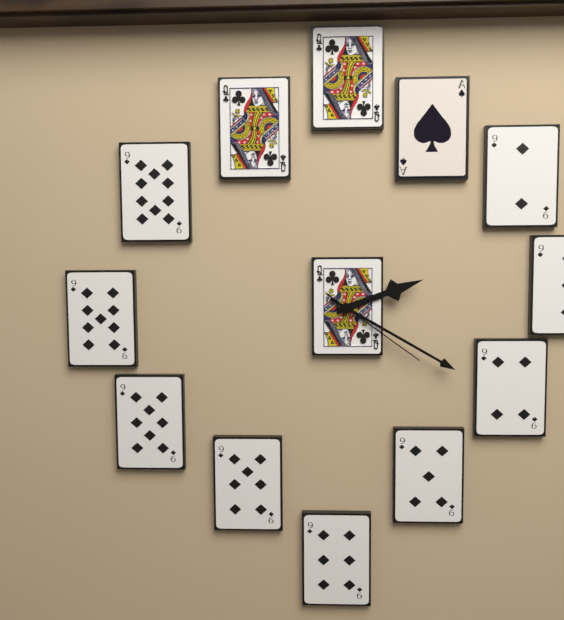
2:20:21
